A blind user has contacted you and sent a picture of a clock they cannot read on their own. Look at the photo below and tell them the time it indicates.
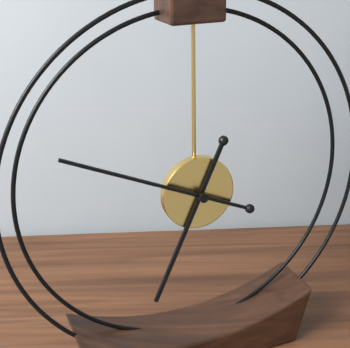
6:49
